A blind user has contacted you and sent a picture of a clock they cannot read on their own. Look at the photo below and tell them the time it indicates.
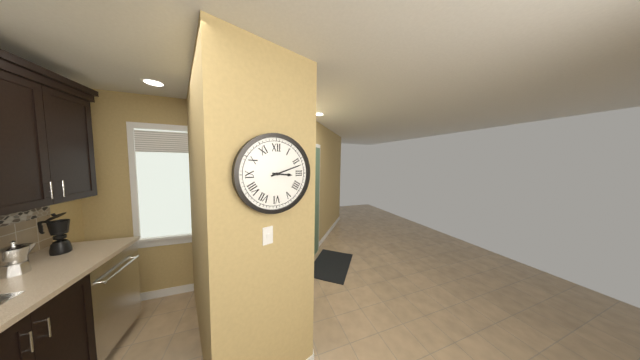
3:12
